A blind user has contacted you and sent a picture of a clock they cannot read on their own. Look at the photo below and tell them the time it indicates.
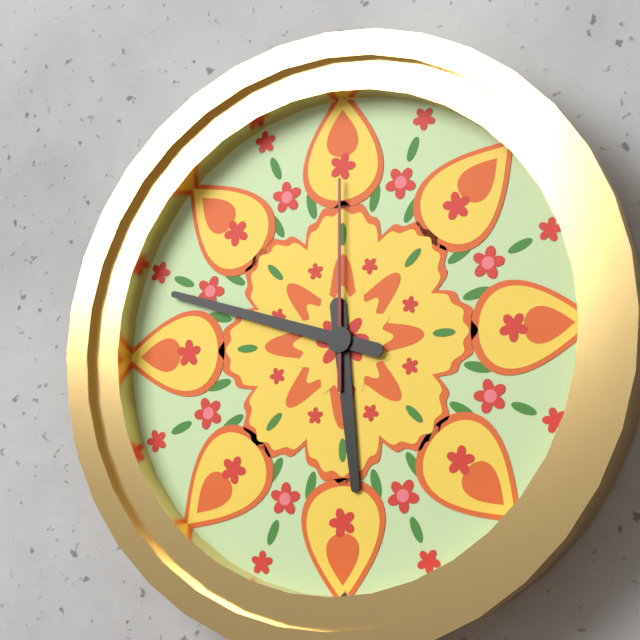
5:48:00
